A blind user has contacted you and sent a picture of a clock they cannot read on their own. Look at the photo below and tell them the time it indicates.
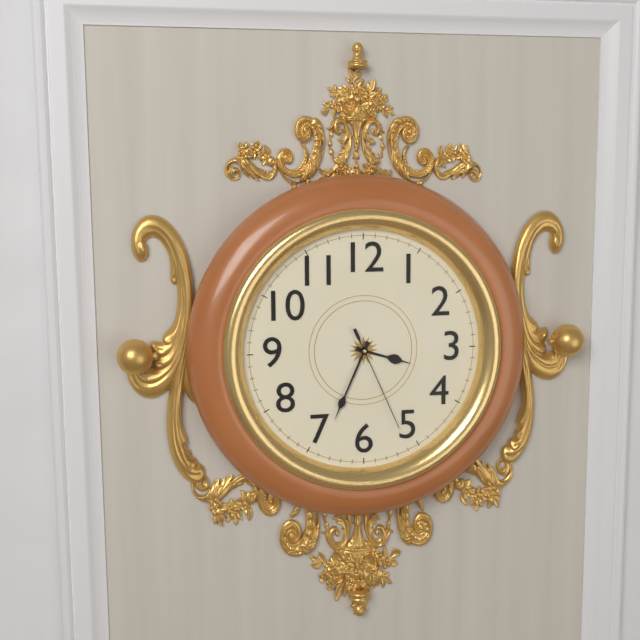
3:34:26
